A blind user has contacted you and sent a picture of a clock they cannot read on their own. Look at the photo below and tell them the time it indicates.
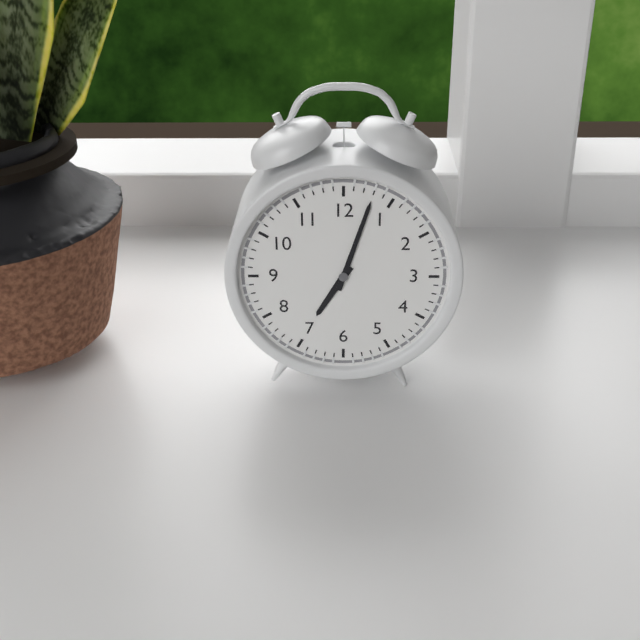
7:03
